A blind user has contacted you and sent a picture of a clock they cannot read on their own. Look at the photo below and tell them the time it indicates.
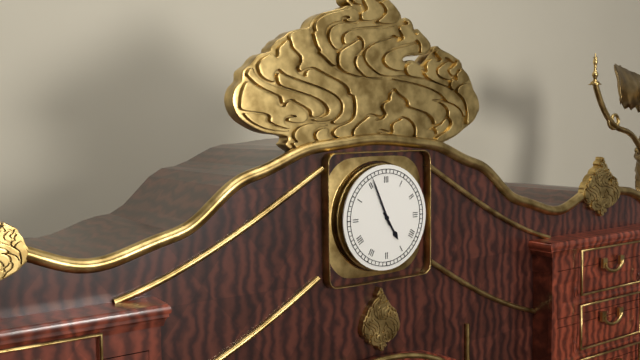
4:56
